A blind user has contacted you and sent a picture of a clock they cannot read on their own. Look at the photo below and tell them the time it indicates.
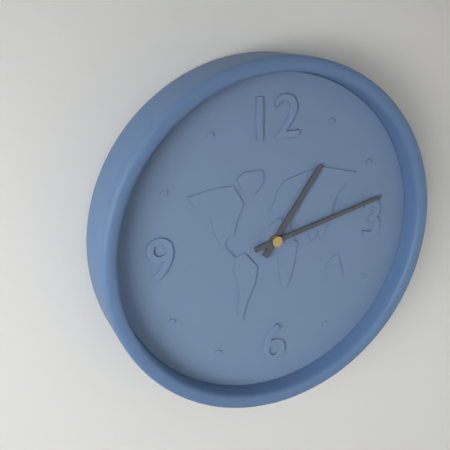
1:13
